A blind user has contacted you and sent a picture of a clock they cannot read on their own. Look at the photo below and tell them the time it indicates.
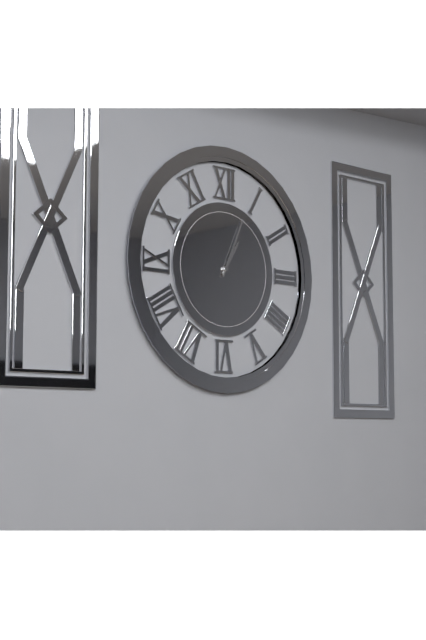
1:04
